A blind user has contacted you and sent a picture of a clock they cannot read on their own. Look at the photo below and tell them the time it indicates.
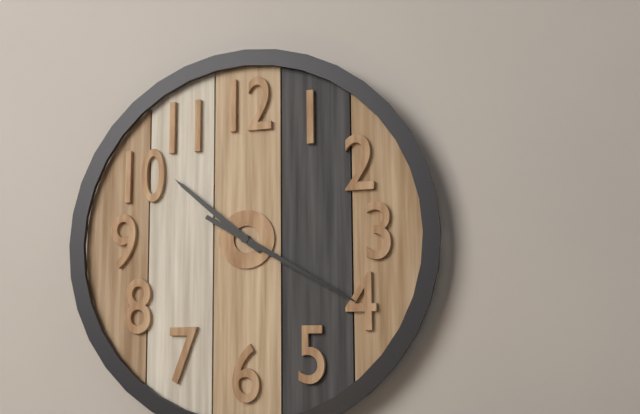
10:20
